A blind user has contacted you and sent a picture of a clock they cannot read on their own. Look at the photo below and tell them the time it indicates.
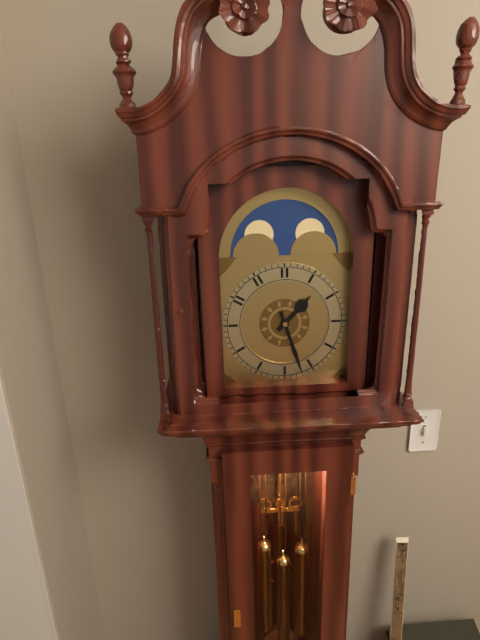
1:27
